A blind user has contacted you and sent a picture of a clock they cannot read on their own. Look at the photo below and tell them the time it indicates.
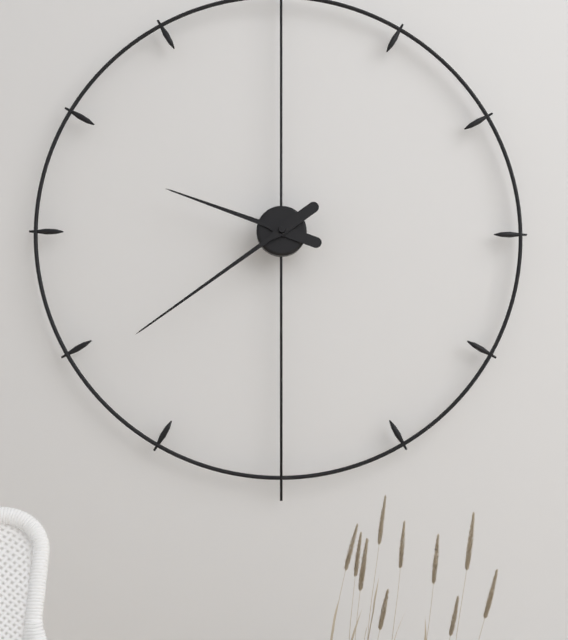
9:39
